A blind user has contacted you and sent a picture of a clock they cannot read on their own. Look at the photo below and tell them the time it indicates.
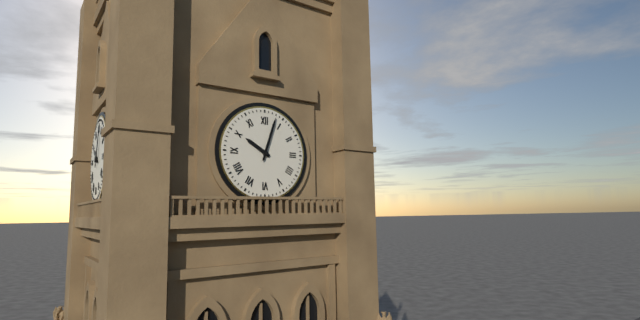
10:03
